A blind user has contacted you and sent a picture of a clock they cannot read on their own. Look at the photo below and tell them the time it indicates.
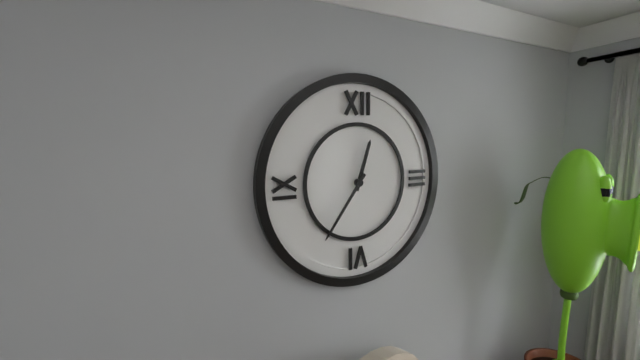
12:36
